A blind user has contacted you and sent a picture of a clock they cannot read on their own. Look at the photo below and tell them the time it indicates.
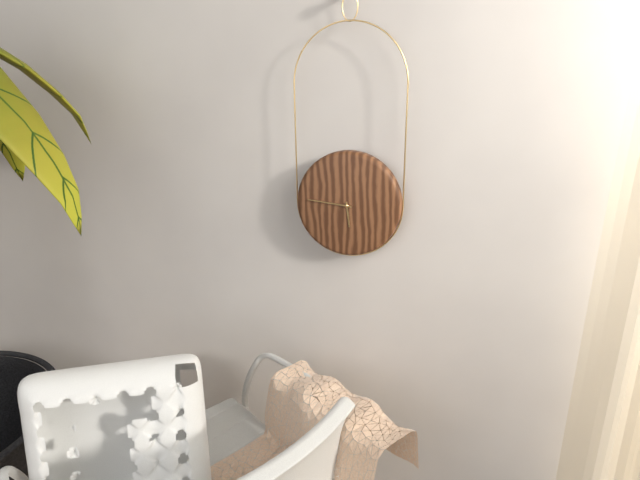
5:46
